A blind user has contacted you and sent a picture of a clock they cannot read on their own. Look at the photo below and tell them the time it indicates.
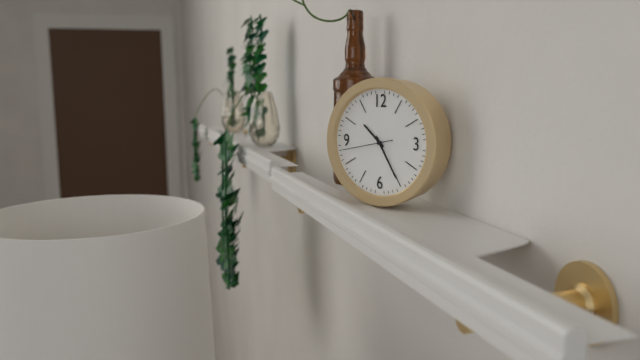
10:25
